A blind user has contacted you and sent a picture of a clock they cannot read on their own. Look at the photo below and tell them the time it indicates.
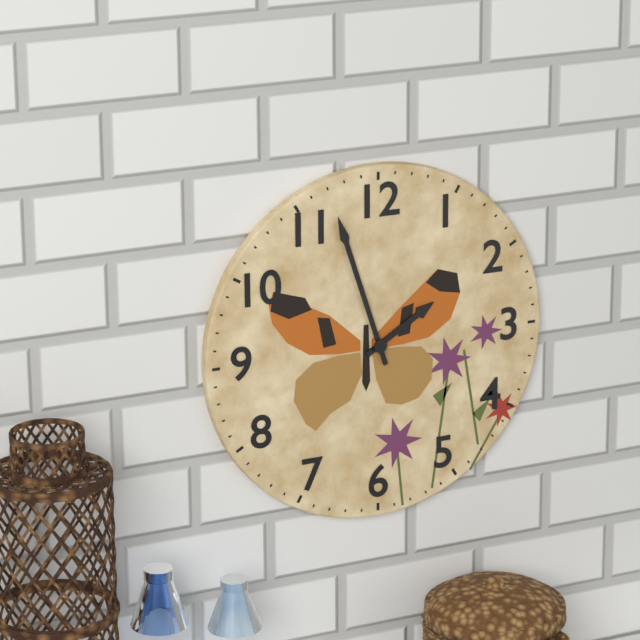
1:57
